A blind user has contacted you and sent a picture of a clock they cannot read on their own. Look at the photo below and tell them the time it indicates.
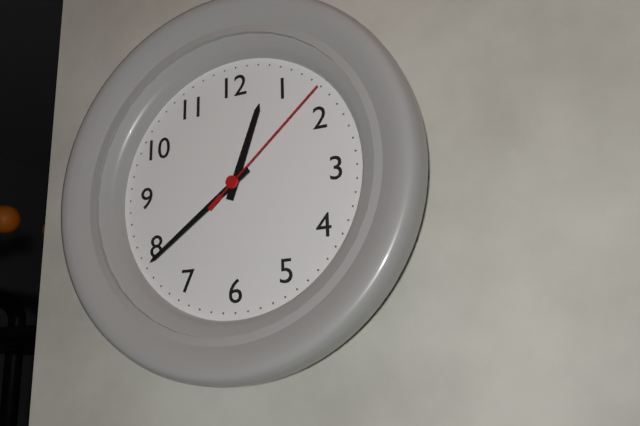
12:39:08
